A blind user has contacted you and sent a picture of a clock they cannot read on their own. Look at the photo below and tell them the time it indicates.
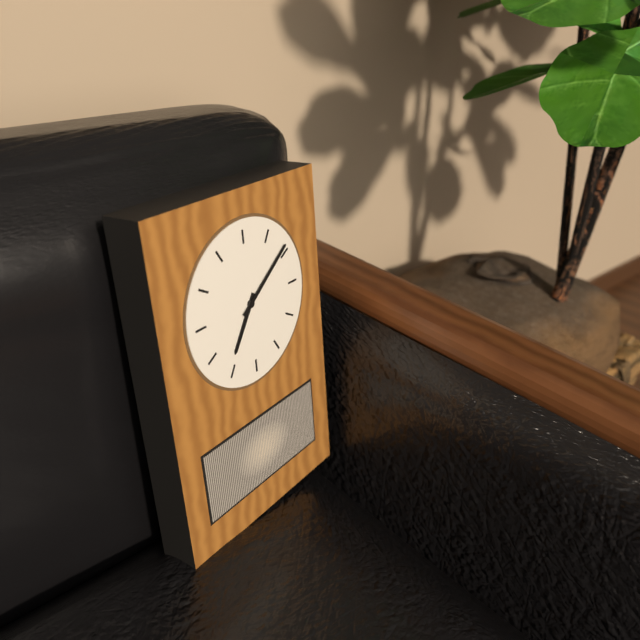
7:09
